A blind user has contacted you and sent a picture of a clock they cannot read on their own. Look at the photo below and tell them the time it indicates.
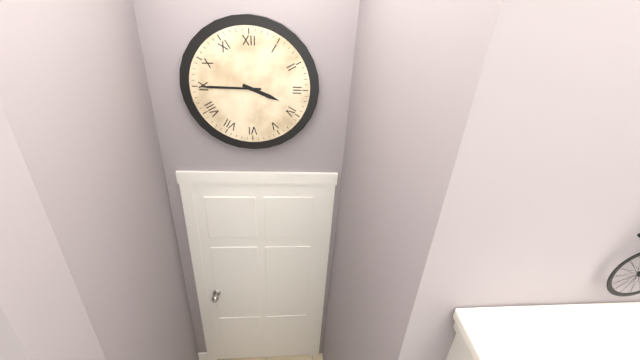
3:45
